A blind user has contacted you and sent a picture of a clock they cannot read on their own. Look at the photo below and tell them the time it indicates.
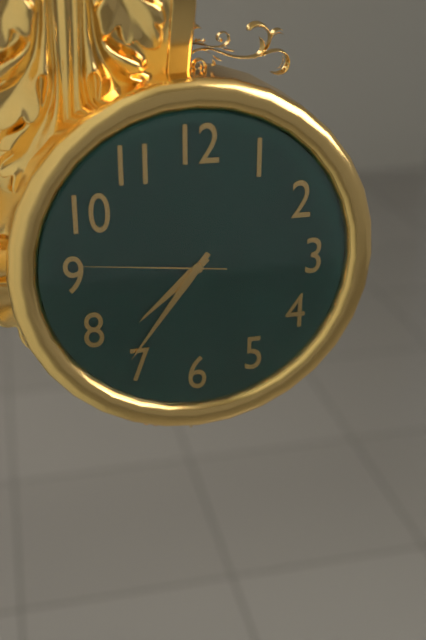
7:36:46
